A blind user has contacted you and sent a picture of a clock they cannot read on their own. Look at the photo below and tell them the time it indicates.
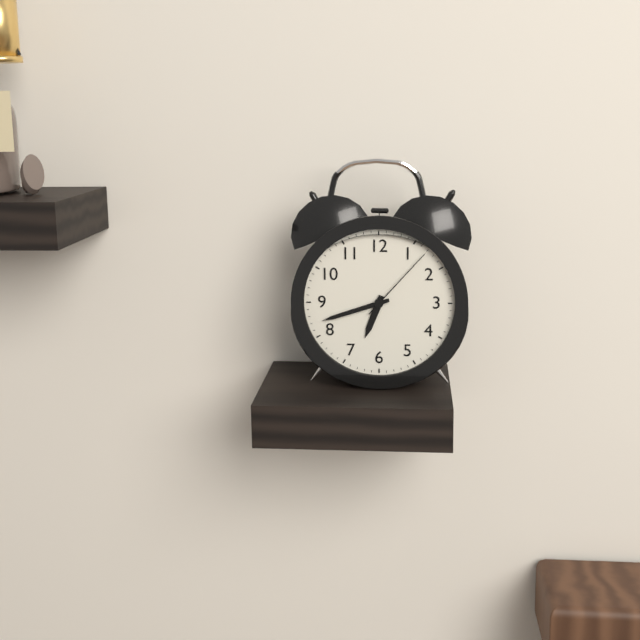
6:42:07
